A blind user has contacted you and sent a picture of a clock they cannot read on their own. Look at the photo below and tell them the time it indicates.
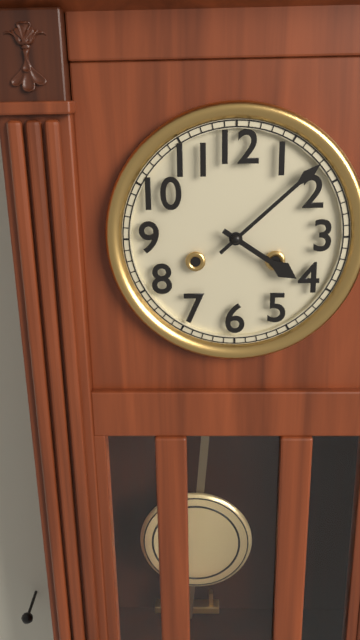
4:08
